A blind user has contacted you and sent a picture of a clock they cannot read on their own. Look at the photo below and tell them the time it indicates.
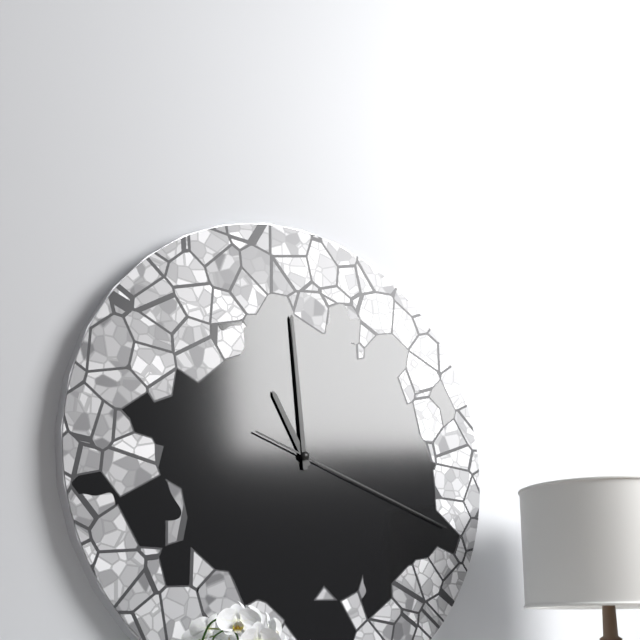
10:59:18
